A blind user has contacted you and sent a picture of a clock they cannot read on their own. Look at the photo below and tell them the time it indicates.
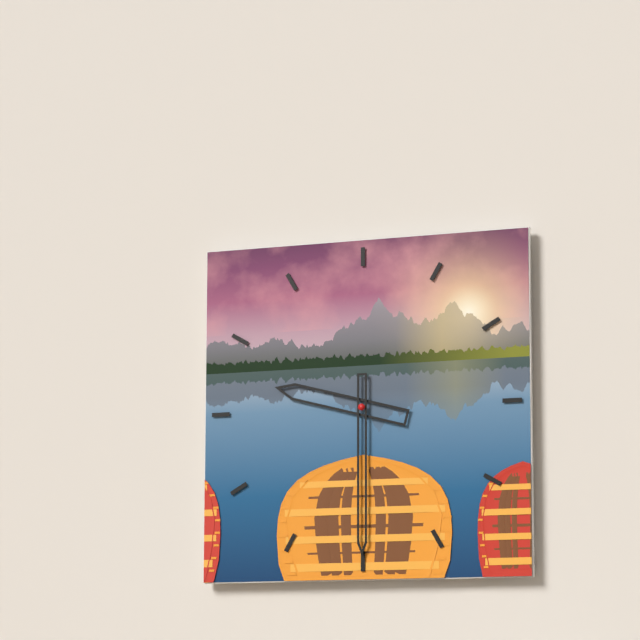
9:30
